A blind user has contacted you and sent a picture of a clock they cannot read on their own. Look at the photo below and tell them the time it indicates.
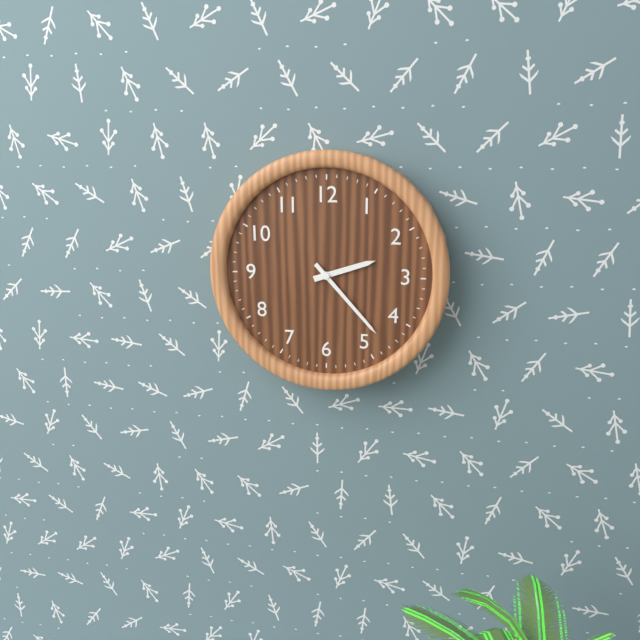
2:23
